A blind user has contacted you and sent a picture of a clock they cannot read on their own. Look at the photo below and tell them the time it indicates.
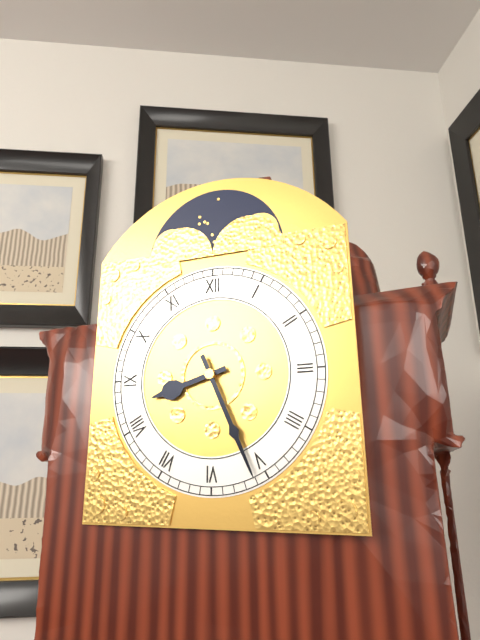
8:26
